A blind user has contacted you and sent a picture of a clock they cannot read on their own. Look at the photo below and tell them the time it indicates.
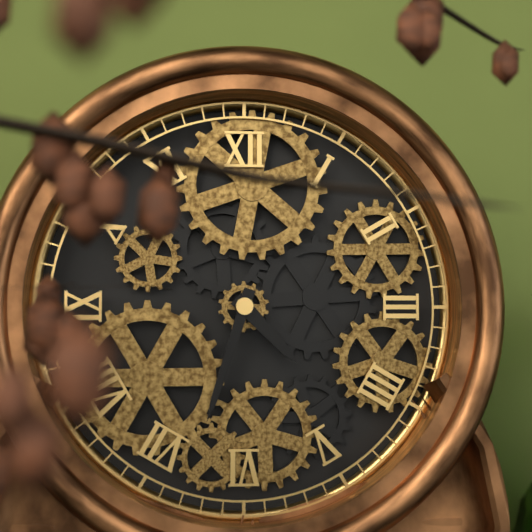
4:33
